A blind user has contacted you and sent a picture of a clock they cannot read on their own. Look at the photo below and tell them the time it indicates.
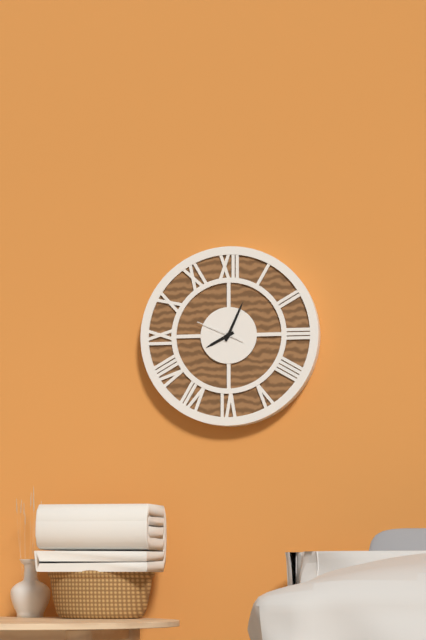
8:04
